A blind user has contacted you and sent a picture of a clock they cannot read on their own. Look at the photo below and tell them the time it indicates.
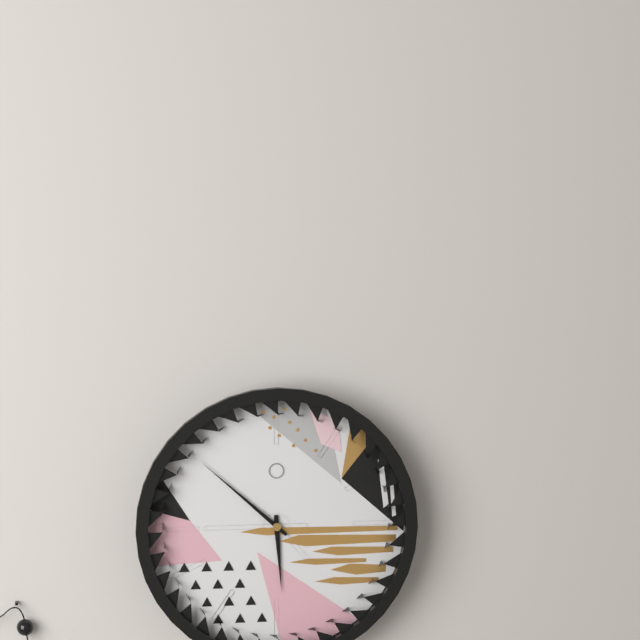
5:52
